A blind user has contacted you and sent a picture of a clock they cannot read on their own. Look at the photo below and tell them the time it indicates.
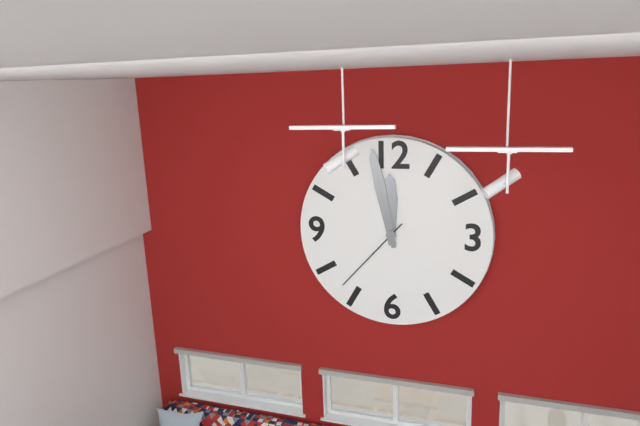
11:58:37
